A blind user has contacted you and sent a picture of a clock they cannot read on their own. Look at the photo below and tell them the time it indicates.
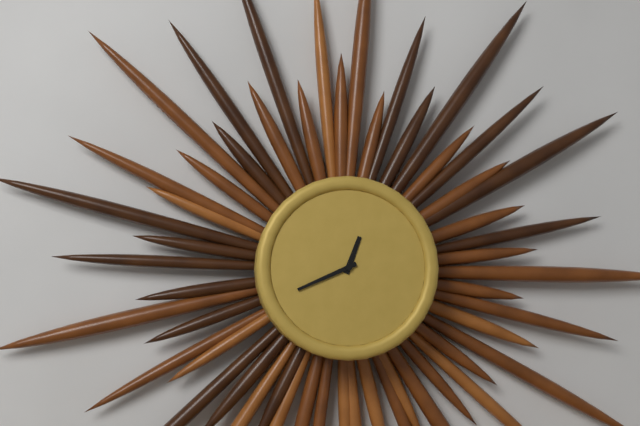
12:41
